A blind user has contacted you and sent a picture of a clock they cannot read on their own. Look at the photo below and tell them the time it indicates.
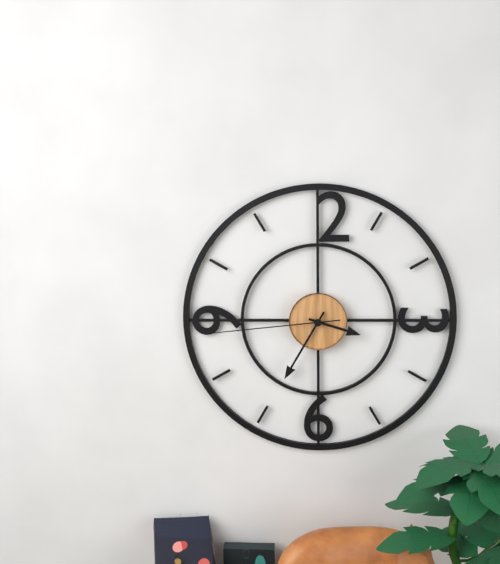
3:35:44
